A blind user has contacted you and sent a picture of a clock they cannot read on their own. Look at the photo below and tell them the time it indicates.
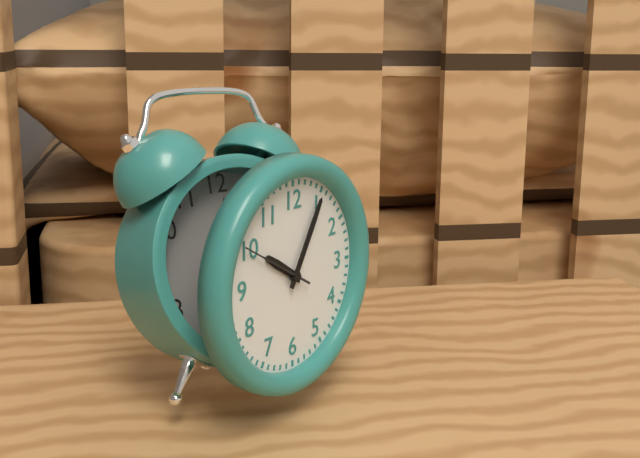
10:05:50
